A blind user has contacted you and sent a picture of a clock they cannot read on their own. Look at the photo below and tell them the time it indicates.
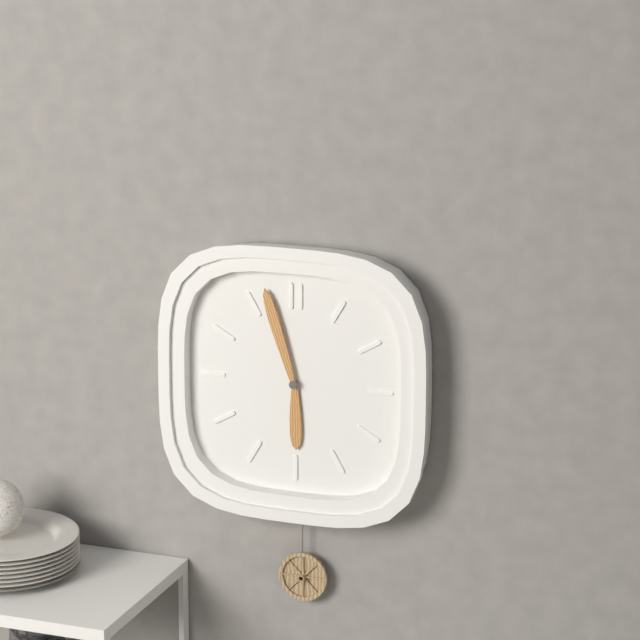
5:57
